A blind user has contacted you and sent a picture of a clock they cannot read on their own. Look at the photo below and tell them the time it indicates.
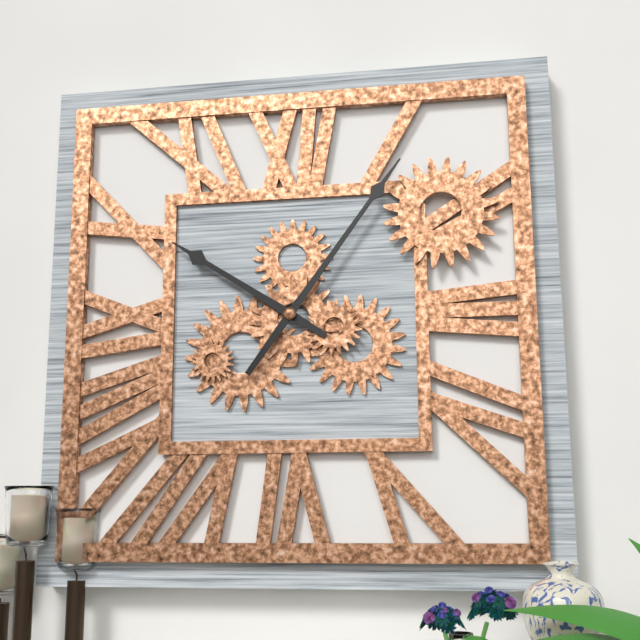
10:06
